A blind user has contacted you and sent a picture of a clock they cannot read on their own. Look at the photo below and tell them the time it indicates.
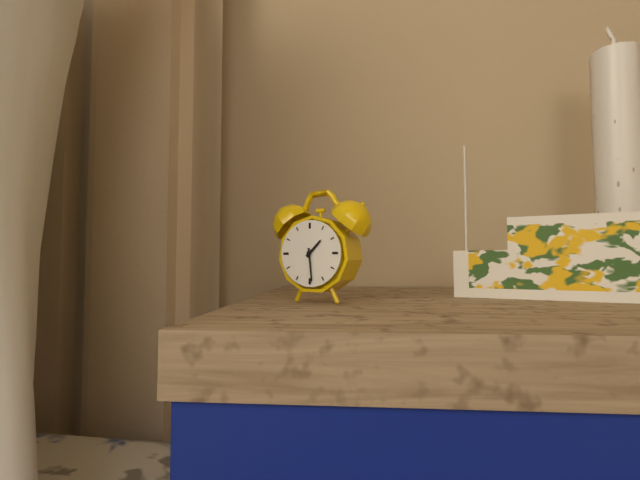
1:29
